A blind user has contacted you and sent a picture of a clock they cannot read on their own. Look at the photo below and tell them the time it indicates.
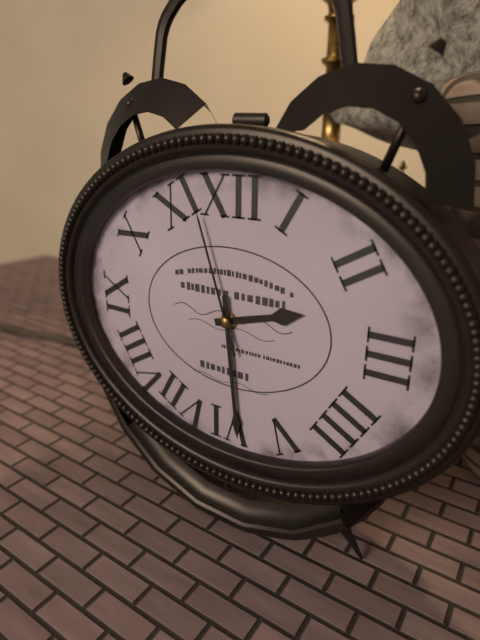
2:29:57
